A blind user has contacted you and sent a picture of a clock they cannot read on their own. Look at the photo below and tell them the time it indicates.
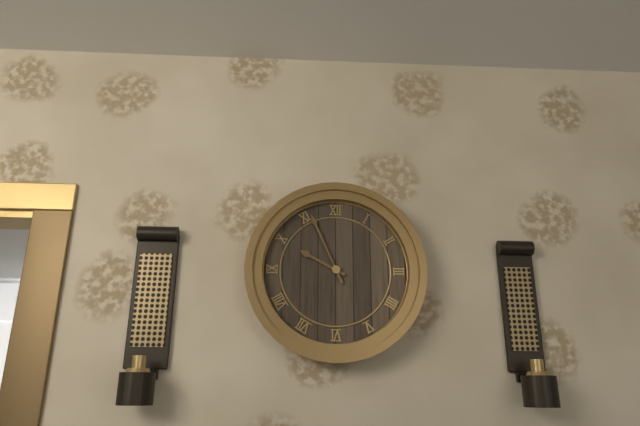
9:56
